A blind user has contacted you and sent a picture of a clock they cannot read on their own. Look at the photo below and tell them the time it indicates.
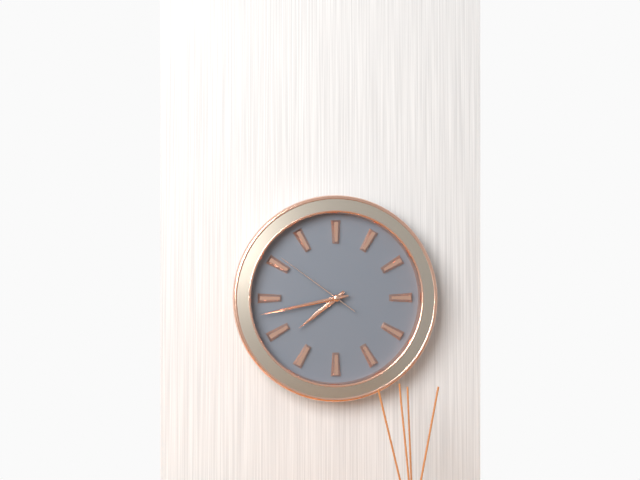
7:43:51
